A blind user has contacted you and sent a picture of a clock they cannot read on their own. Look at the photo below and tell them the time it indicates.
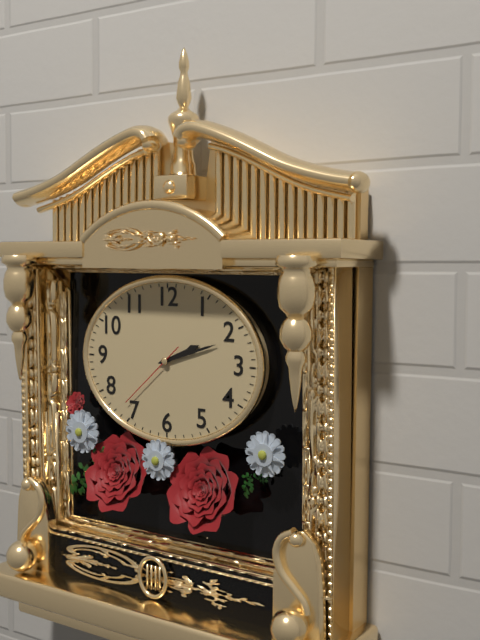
2:12:38
